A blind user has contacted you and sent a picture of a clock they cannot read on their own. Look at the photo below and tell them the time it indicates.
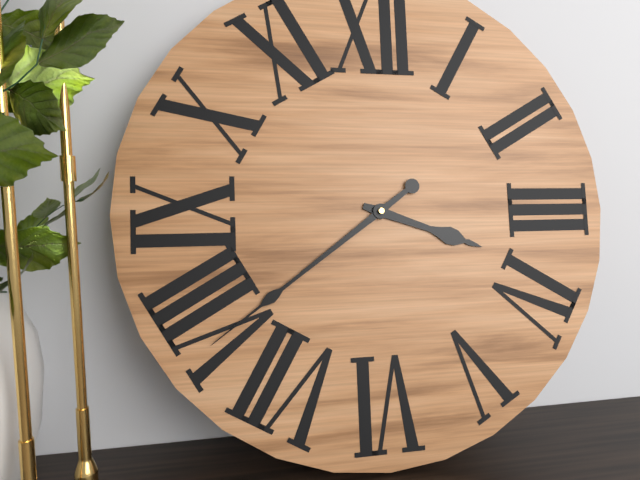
3:39
